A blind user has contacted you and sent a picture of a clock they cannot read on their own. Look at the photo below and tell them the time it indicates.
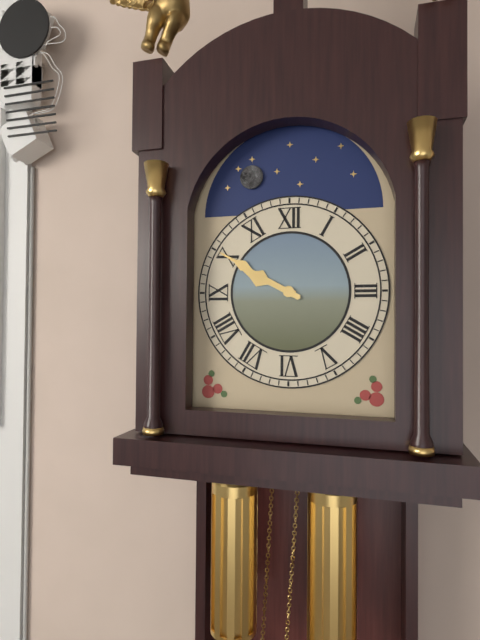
9:50
